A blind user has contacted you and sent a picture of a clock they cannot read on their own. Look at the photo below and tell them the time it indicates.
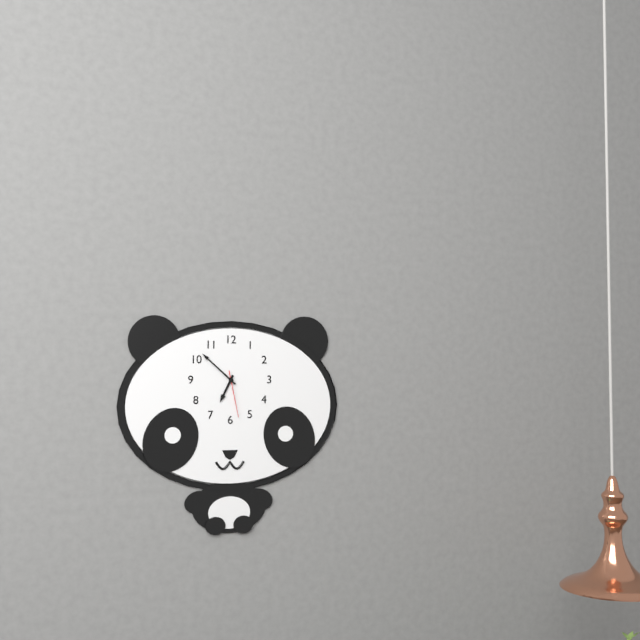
6:52
